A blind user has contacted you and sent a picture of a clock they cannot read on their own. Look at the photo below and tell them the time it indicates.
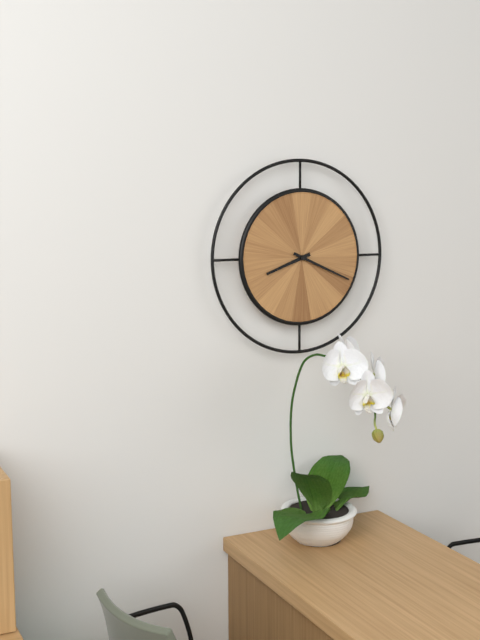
8:19
